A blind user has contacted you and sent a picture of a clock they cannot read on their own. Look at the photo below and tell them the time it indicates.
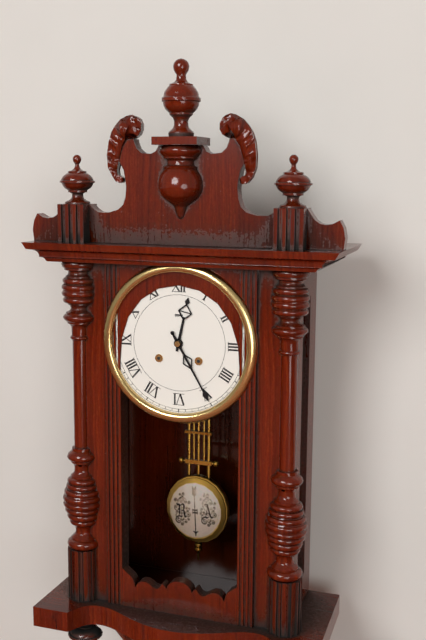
12:25
